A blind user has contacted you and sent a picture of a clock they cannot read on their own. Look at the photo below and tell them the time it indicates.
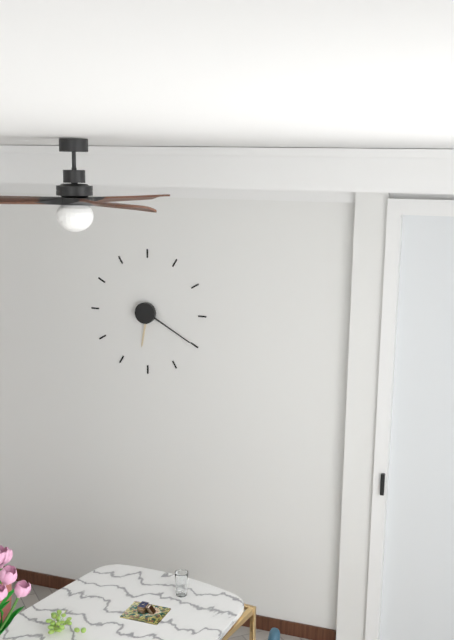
6:20
